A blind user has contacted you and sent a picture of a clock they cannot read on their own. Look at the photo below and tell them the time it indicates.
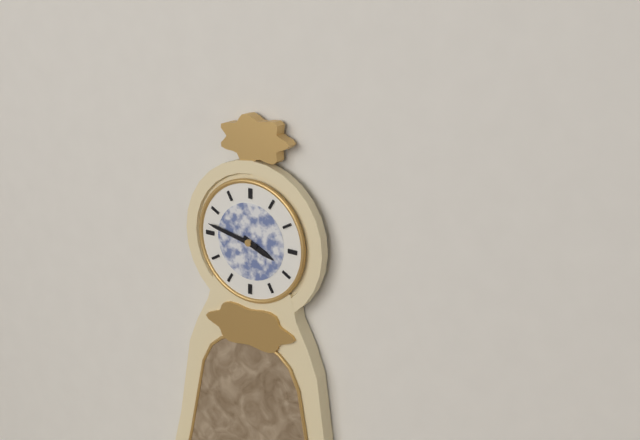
3:47
